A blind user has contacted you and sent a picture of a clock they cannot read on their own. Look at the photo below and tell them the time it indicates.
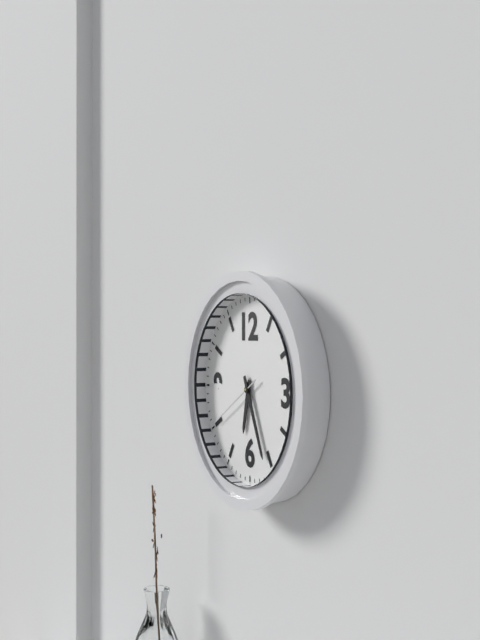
6:26:40
